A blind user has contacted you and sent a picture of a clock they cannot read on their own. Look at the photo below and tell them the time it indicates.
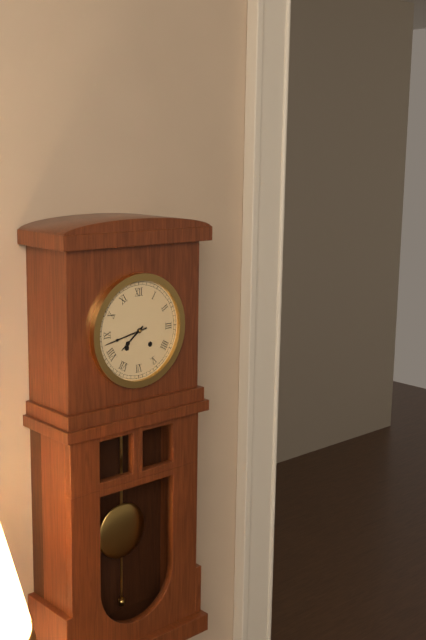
7:43
